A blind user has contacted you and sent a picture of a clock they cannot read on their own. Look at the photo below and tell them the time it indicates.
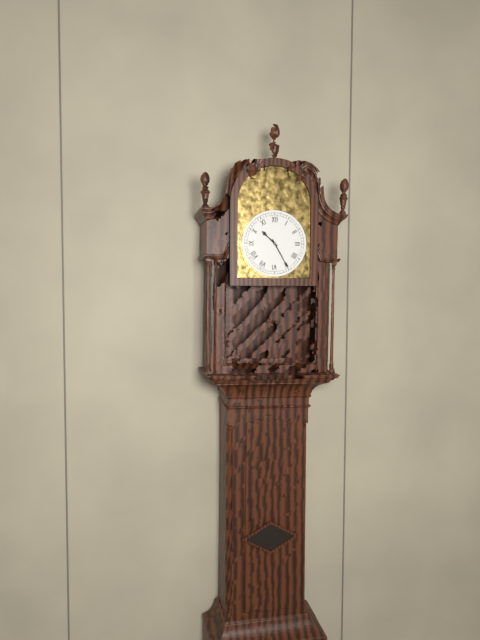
10:25
